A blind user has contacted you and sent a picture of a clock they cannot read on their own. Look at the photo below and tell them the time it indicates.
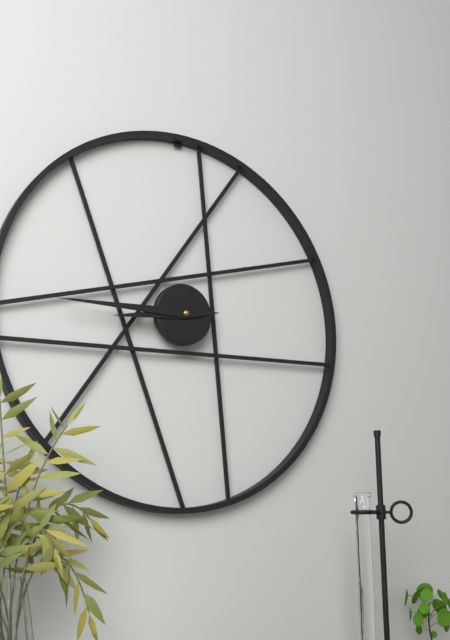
8:45
